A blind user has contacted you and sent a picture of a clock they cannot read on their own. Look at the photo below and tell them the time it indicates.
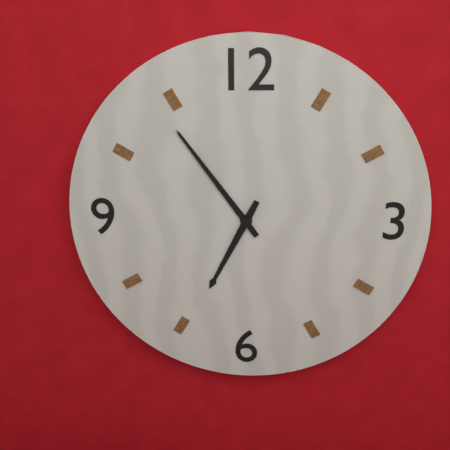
6:54
